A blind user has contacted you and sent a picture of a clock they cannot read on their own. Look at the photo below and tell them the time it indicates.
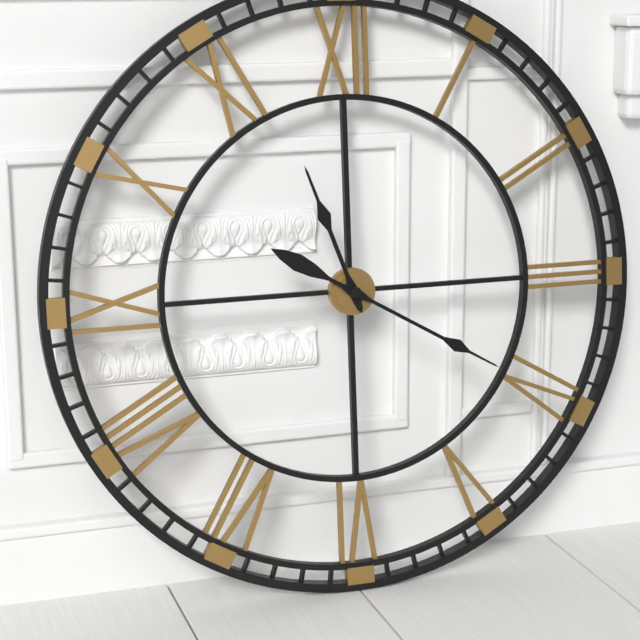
11:20
